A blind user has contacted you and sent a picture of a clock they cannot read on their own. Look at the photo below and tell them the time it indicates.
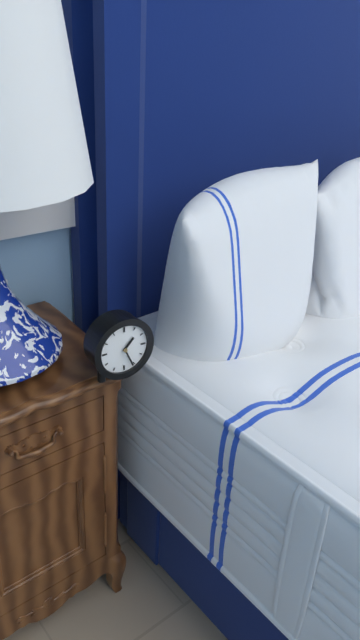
1:26
